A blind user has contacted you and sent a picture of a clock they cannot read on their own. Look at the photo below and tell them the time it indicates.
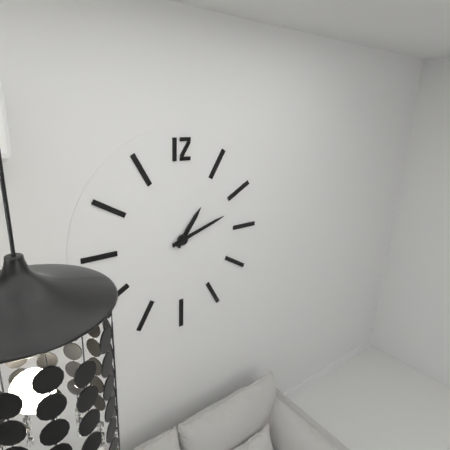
1:12
